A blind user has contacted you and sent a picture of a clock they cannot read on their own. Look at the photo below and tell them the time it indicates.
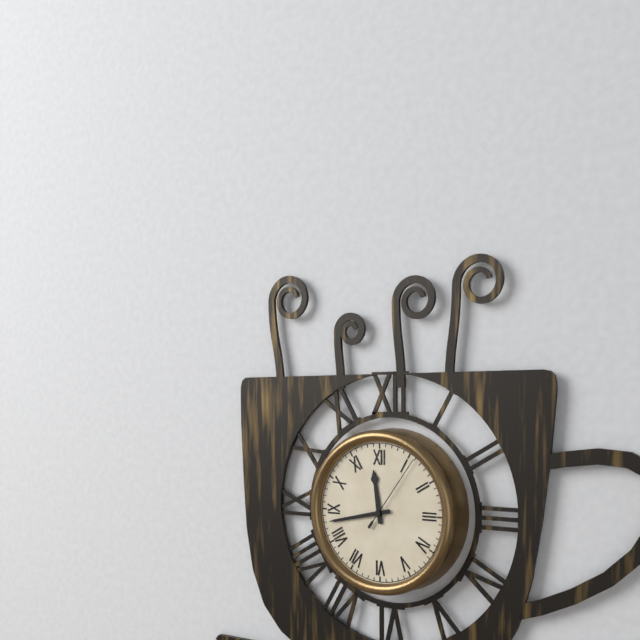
11:43:06
